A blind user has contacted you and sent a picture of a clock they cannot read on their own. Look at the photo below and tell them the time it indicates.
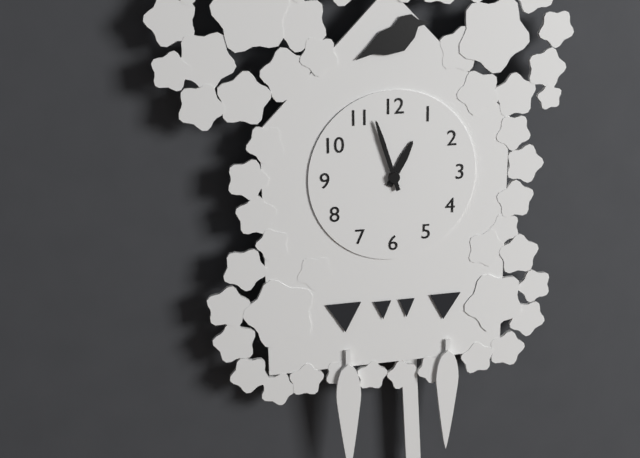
12:57
